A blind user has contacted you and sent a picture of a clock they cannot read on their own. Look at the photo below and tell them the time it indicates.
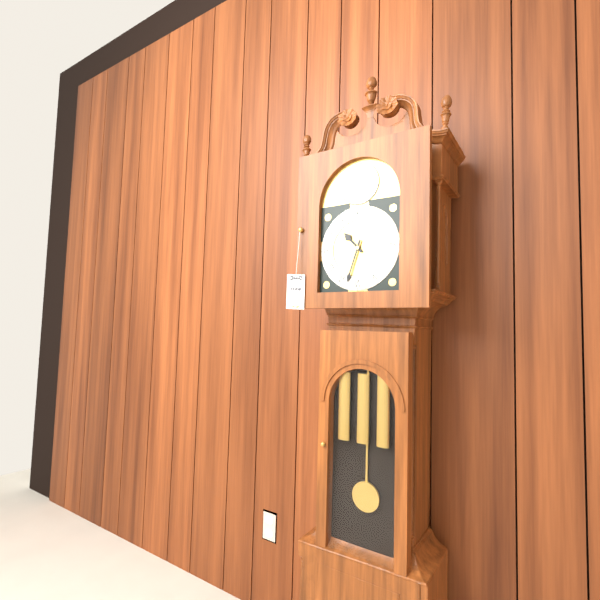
10:33
